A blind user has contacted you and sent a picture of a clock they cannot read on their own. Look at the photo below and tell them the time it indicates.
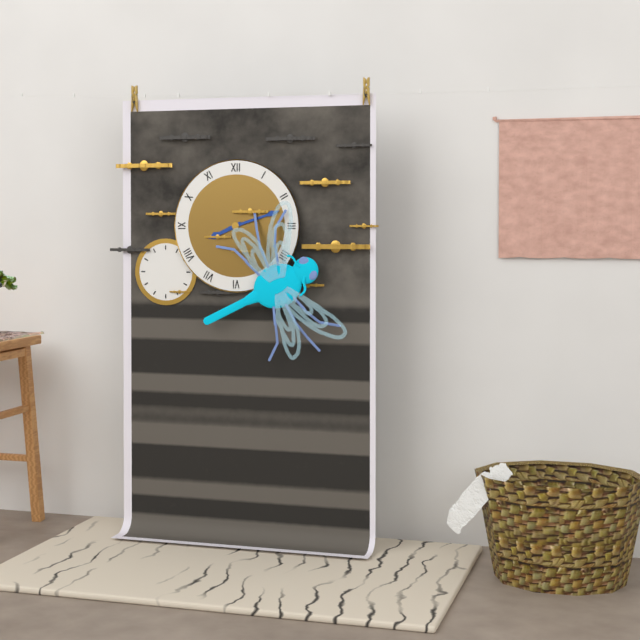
8:12
